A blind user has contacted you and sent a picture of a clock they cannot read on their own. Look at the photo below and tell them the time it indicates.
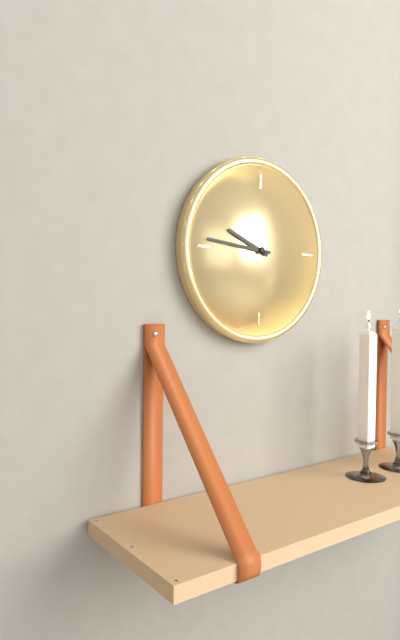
9:46
